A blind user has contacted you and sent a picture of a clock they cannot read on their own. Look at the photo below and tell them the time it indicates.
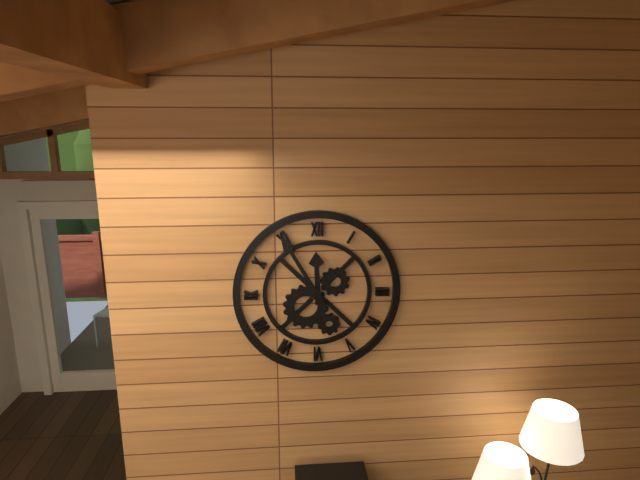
11:55
